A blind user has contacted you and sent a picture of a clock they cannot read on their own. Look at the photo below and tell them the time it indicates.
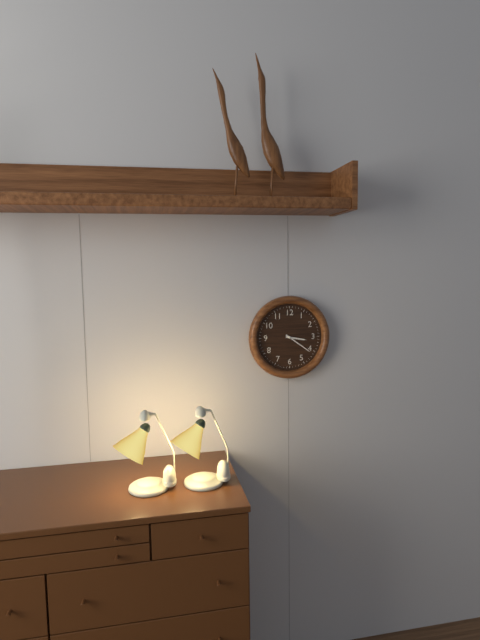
3:21
